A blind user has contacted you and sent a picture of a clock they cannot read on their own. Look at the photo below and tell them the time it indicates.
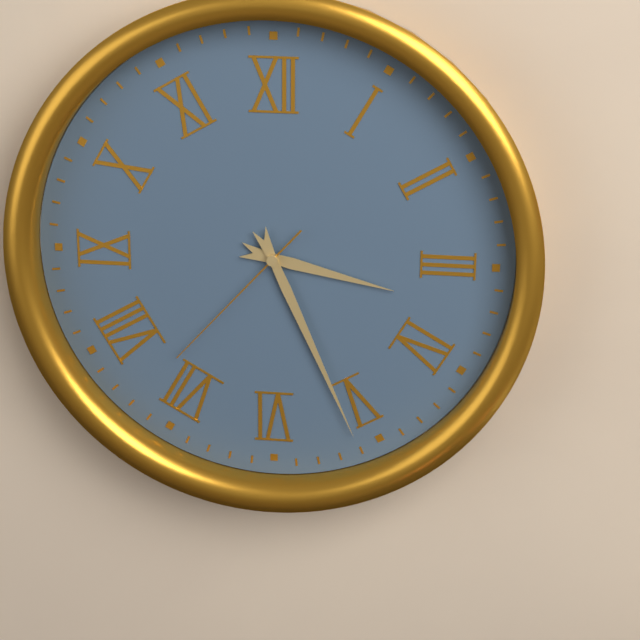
3:26:37
